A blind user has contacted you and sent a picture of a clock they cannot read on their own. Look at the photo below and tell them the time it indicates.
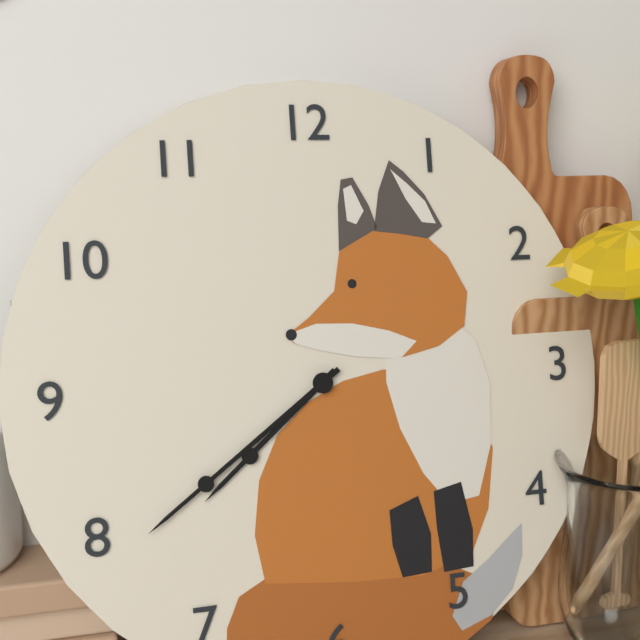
7:39
